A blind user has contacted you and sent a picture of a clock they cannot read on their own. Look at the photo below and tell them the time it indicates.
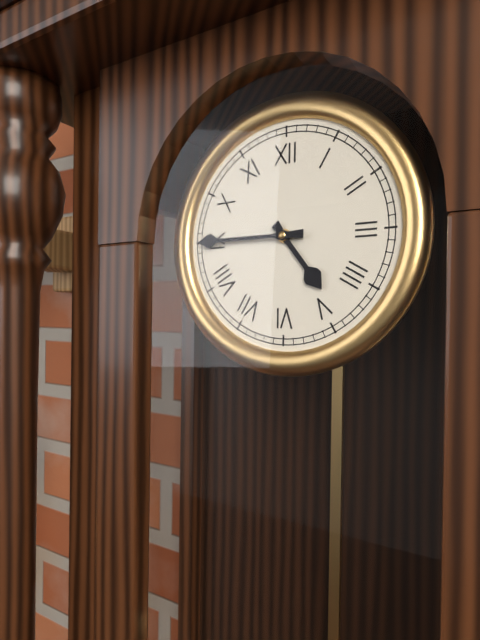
4:45
